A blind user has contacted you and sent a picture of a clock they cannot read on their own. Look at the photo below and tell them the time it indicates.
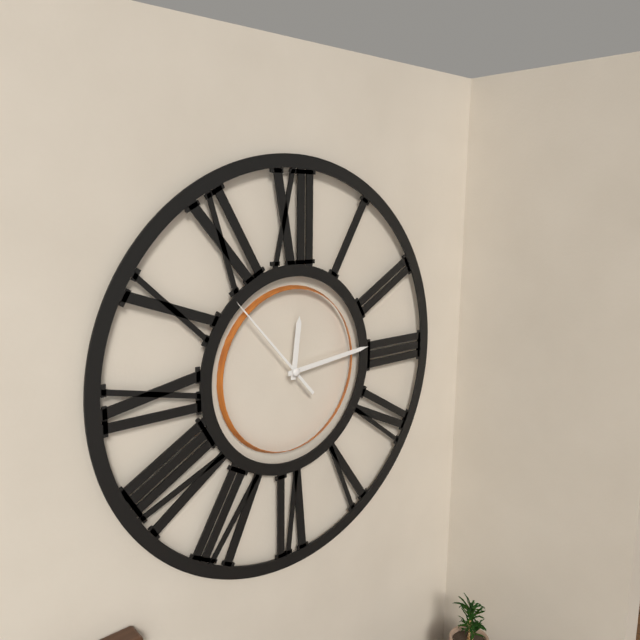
12:14:53
